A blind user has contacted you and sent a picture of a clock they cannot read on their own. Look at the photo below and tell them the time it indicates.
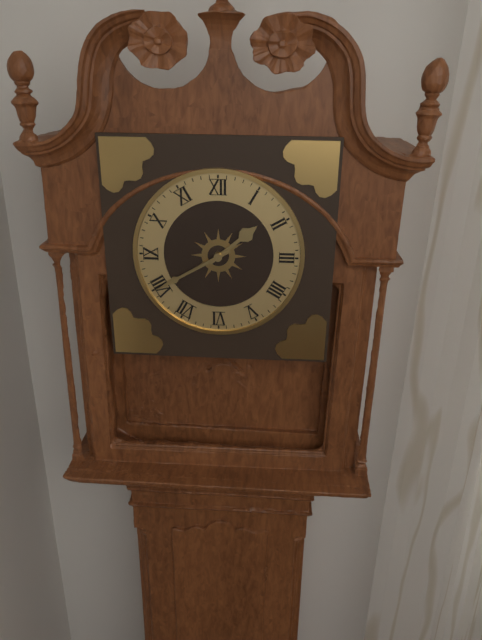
1:40
